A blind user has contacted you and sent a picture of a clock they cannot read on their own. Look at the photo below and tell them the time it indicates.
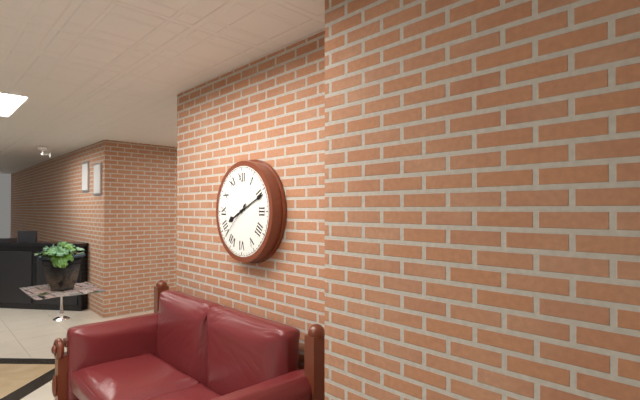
8:11
